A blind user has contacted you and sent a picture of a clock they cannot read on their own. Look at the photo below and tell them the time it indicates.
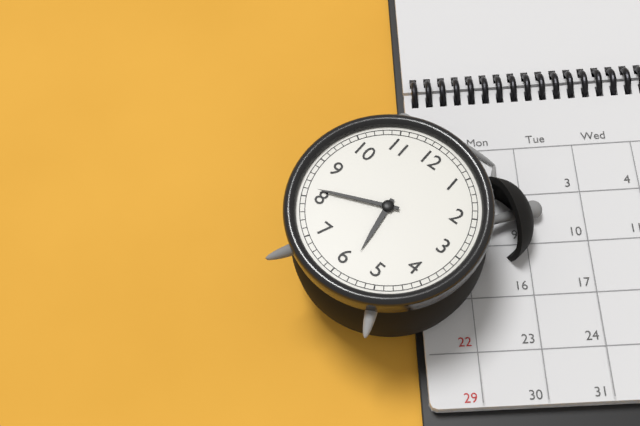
5:41
